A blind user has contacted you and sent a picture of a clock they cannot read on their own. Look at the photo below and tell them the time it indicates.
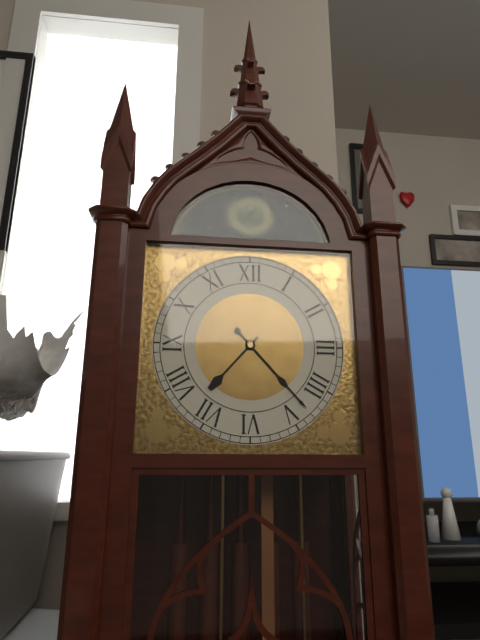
7:23
